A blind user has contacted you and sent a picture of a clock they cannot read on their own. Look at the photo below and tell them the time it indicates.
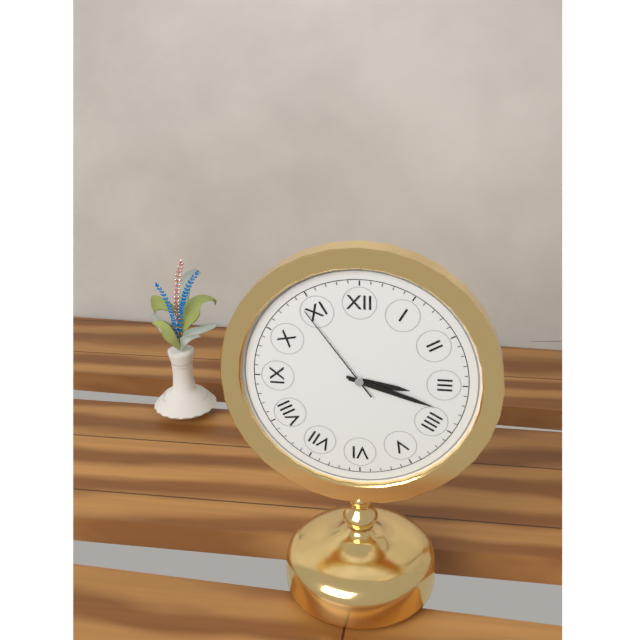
3:18:54
